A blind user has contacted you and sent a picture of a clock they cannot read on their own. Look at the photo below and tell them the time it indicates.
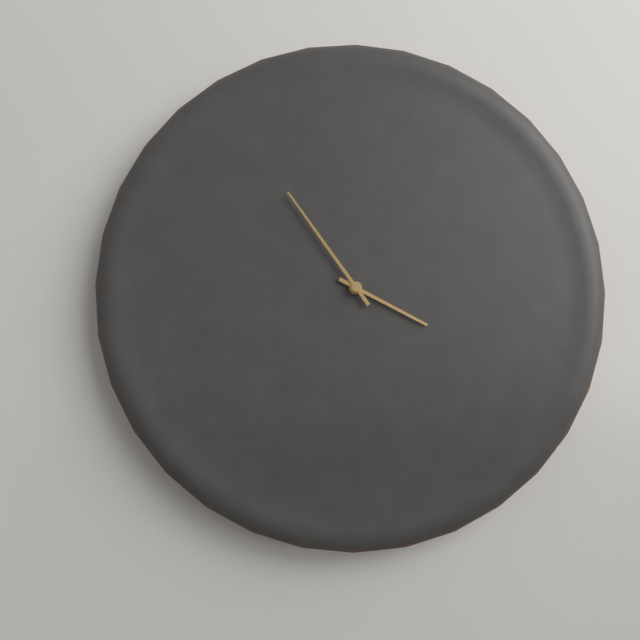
3:54
